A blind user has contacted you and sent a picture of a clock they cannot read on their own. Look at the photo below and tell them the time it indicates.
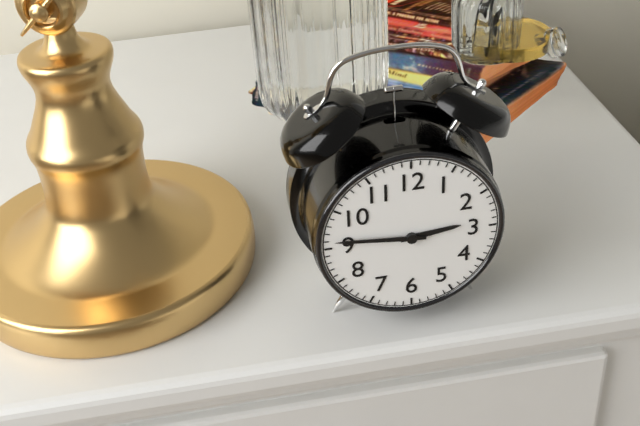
2:46
